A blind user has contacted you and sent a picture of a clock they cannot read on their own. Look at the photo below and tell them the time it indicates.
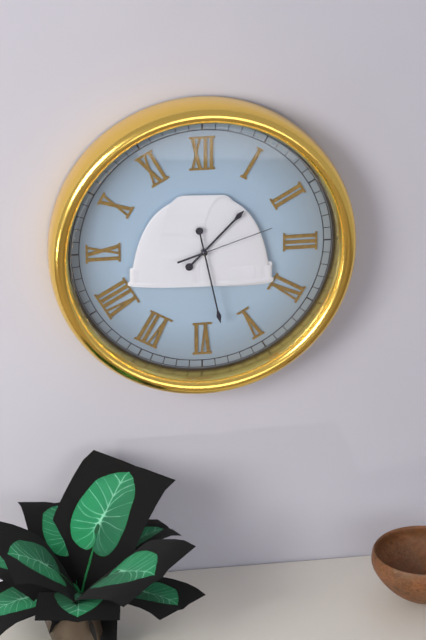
1:28:12
